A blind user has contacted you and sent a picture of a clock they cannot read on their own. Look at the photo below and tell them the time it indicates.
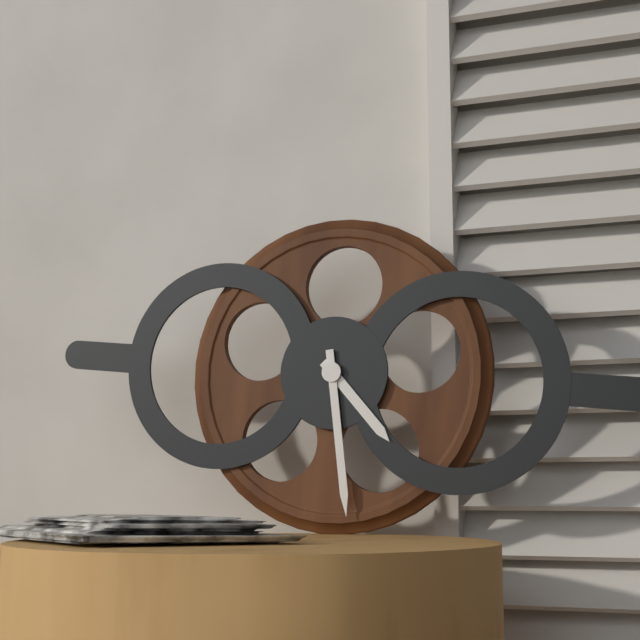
4:28
